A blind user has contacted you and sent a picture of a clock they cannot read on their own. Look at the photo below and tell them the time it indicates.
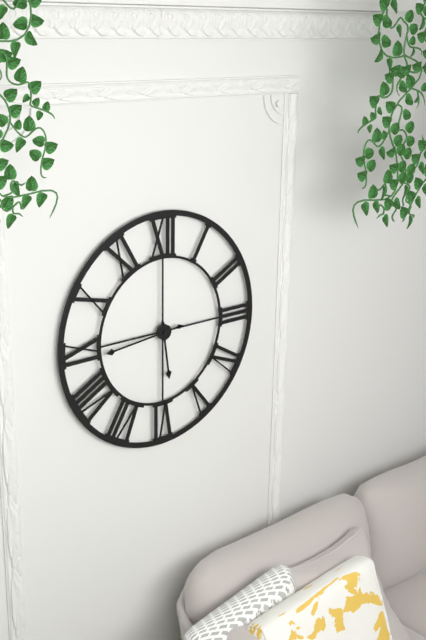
5:44
